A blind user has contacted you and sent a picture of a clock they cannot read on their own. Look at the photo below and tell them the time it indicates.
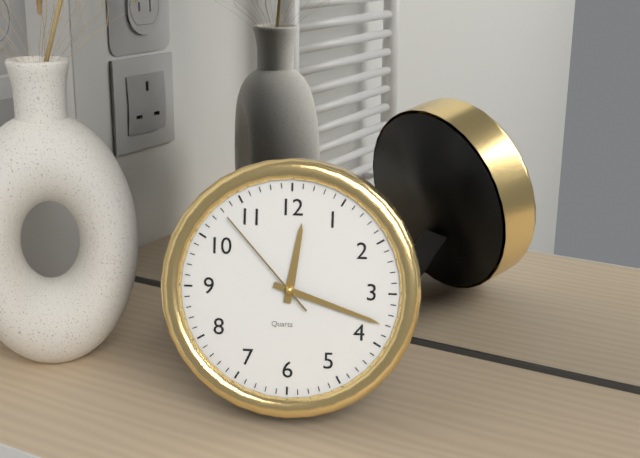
12:18:53
